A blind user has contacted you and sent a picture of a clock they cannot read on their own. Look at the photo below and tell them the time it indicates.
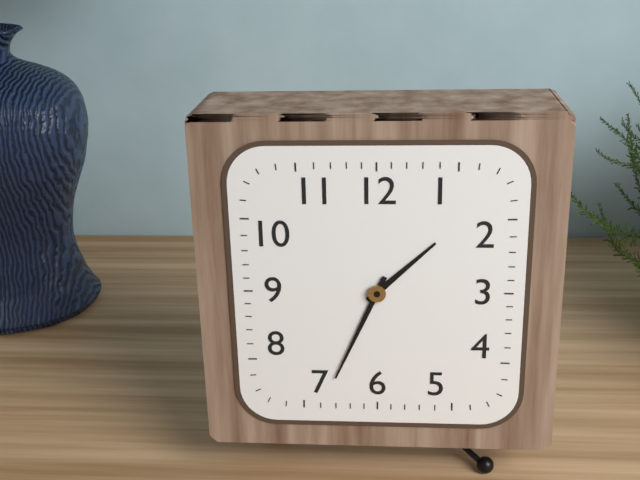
1:34
